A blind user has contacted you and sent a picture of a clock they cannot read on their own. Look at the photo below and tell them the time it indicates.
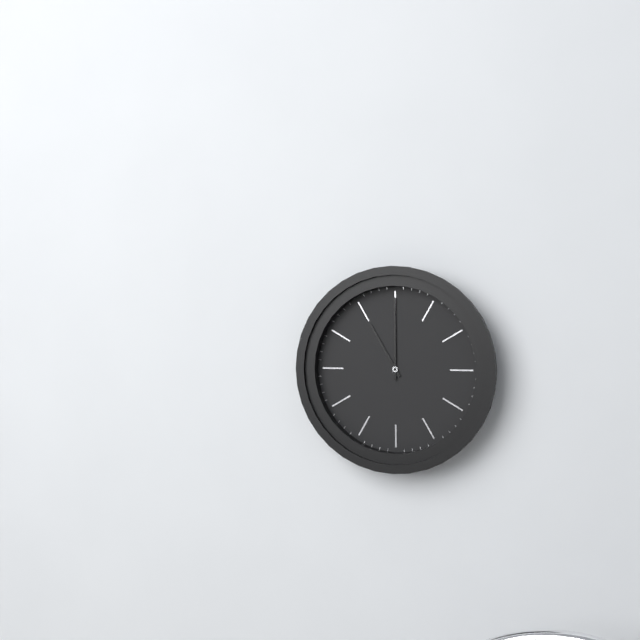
11:00
